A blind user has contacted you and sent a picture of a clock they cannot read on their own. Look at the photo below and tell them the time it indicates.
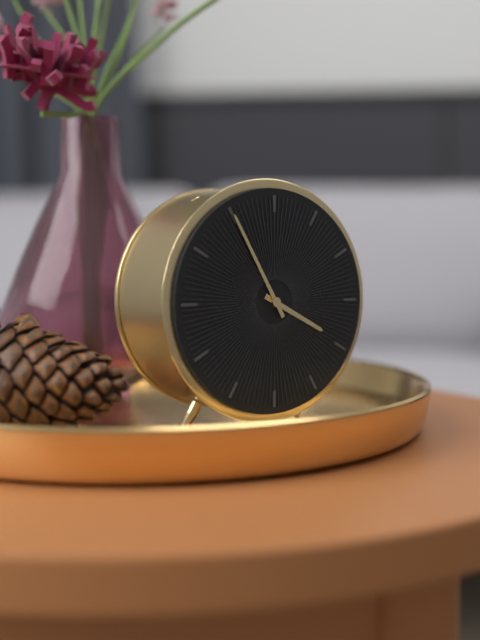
3:55
